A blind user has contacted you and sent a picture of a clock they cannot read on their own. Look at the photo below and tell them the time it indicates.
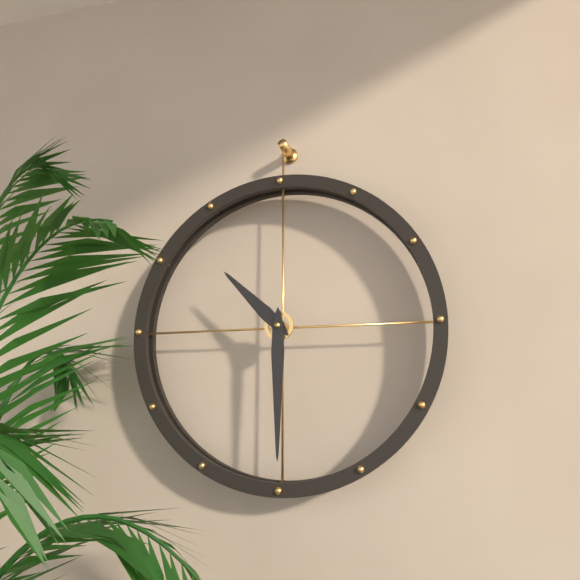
10:30
